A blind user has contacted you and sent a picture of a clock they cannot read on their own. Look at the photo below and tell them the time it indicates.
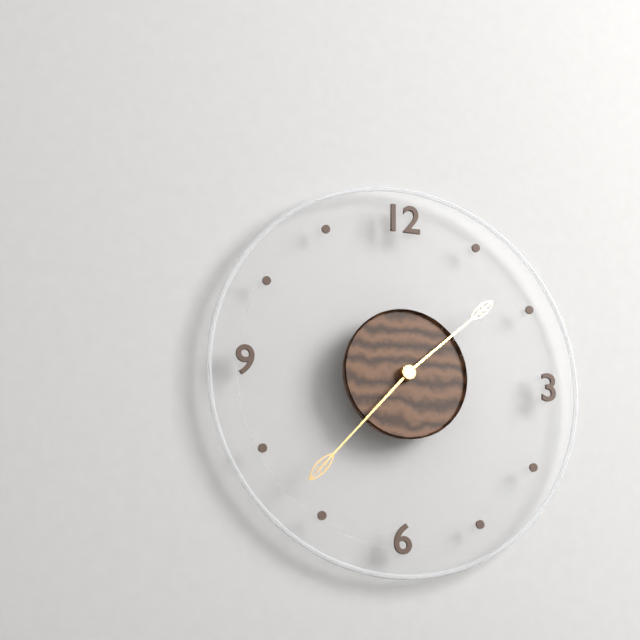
1:37
